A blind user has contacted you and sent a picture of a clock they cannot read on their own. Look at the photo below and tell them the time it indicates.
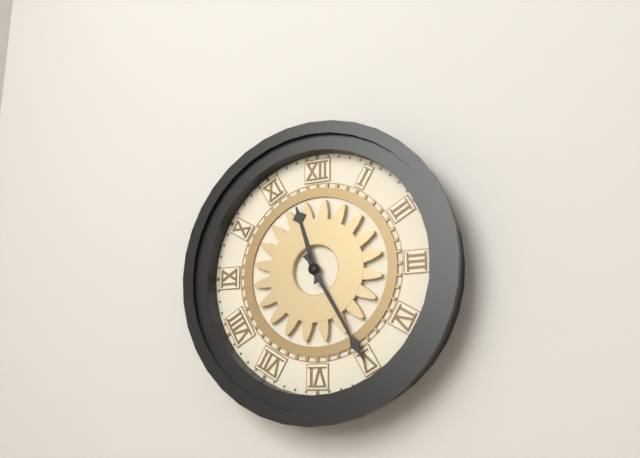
11:25
